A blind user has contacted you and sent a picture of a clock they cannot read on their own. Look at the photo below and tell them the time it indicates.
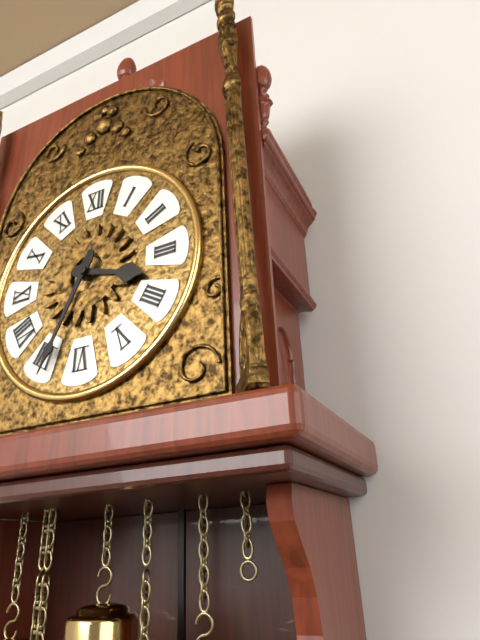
3:34
